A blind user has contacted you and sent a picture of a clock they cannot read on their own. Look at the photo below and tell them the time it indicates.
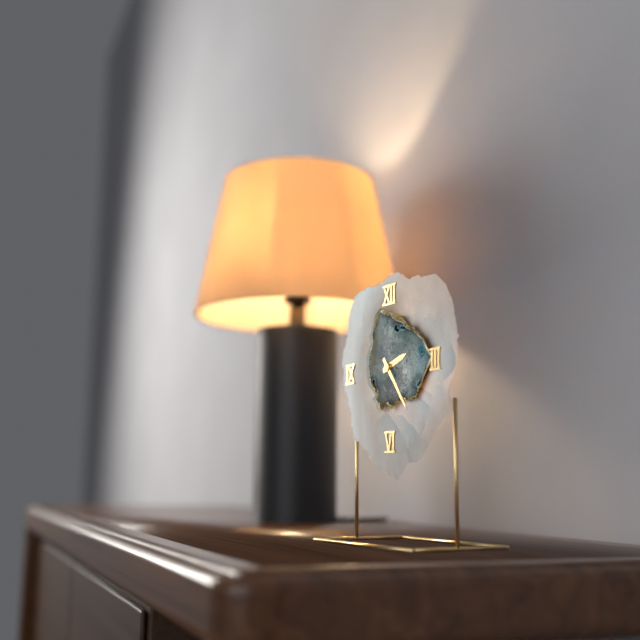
2:24
